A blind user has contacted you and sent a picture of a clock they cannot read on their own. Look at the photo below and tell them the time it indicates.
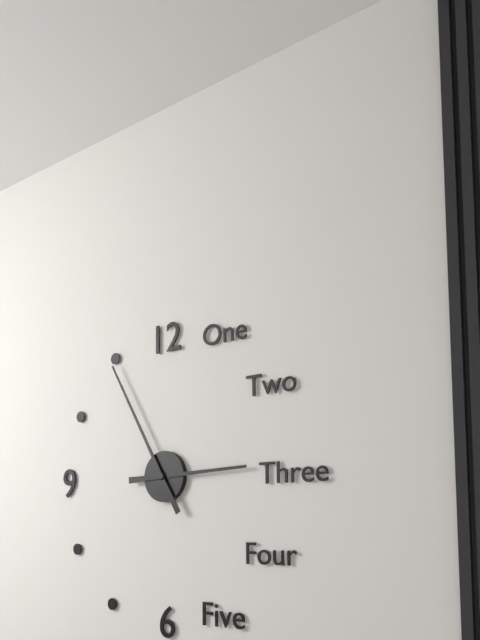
2:55
